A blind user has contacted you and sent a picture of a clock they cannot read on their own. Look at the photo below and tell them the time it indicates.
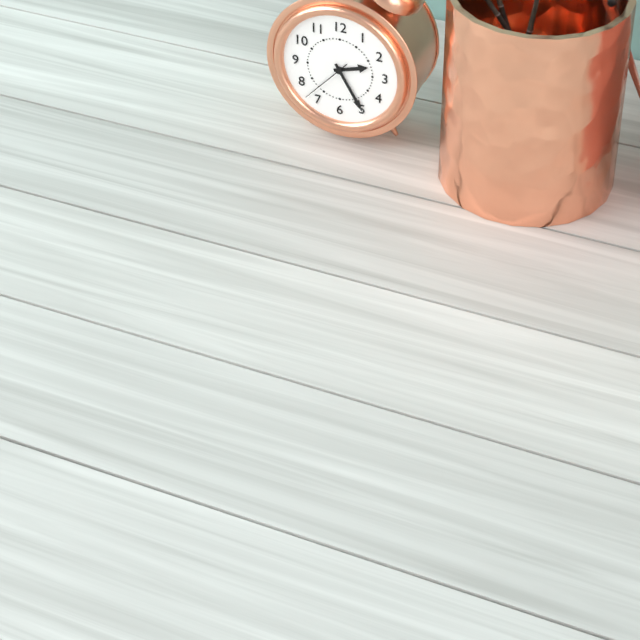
2:25:37
